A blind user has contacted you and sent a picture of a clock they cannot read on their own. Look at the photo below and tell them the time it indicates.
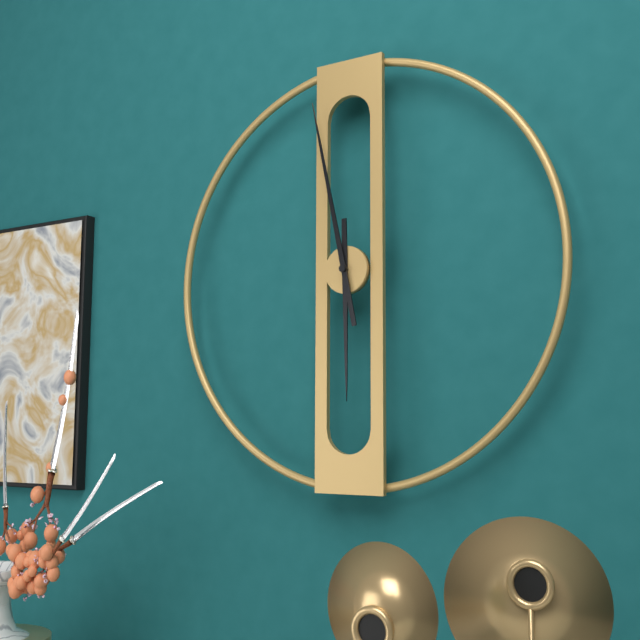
5:58
